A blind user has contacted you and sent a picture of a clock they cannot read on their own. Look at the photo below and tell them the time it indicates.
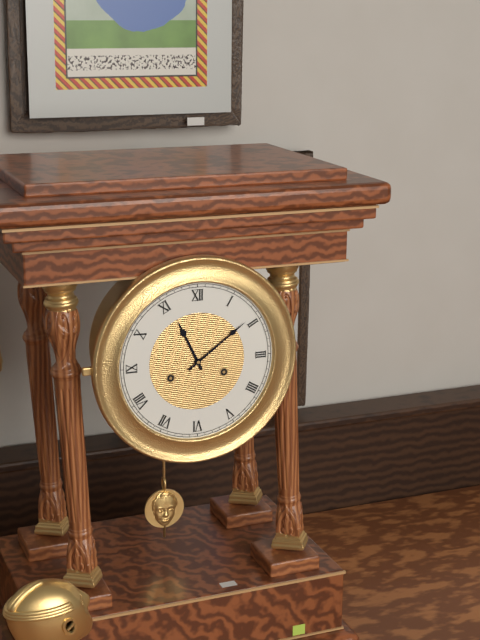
11:09
